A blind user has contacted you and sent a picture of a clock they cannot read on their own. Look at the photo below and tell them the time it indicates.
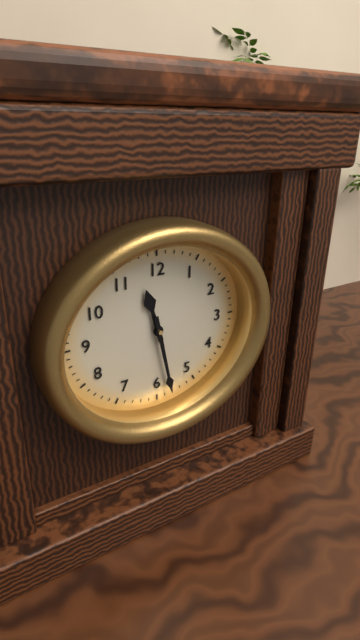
11:28
